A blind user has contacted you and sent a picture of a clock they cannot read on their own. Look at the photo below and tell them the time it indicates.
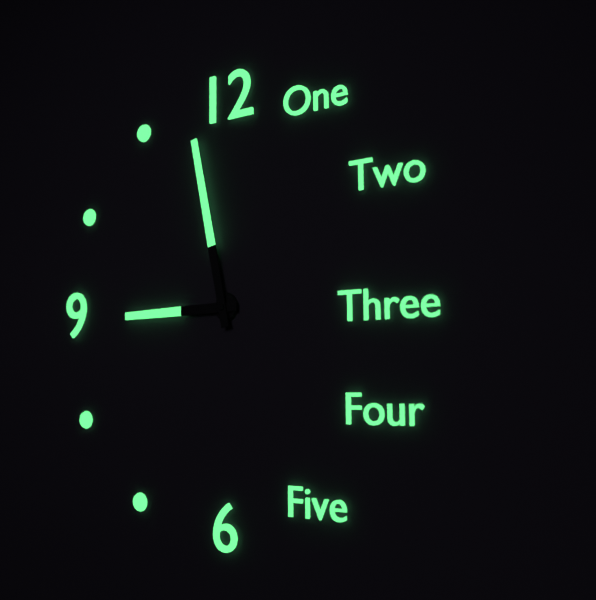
8:58
